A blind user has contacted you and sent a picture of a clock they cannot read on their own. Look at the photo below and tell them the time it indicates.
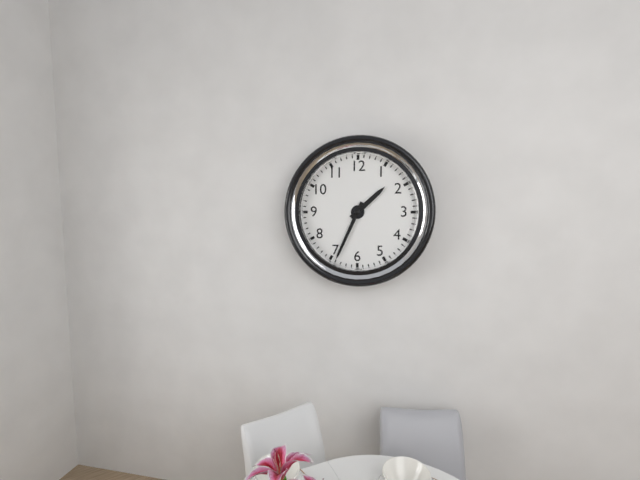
1:34
